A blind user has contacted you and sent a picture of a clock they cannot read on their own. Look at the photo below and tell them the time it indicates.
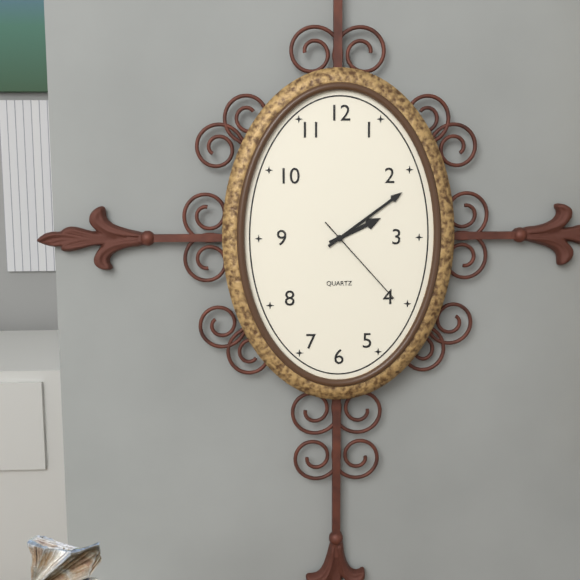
2:09:23
